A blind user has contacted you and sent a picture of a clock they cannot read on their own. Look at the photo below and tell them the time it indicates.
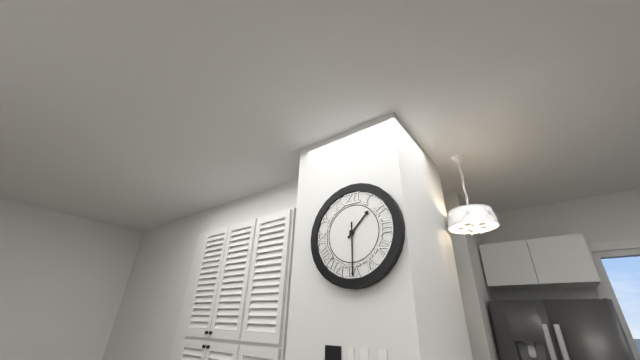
1:30
